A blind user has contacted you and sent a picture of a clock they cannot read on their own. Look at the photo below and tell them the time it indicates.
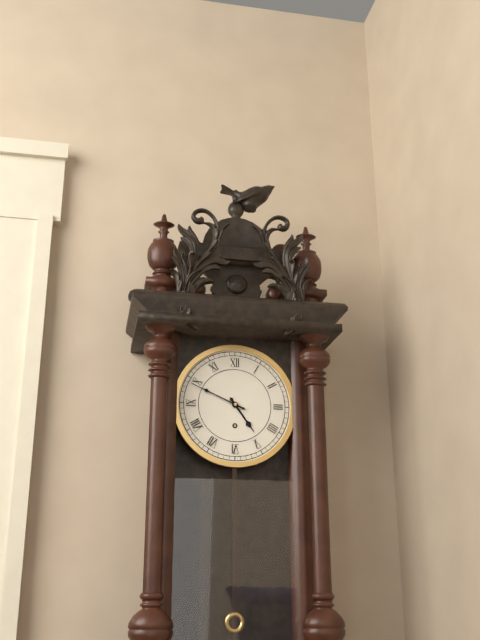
4:49
